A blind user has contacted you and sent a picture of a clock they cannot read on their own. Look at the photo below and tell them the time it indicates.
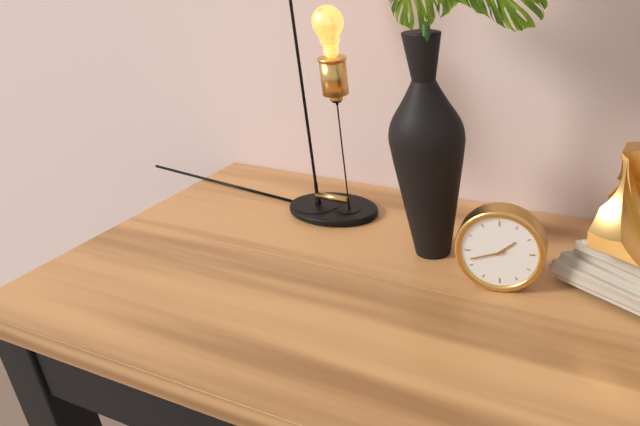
1:42
